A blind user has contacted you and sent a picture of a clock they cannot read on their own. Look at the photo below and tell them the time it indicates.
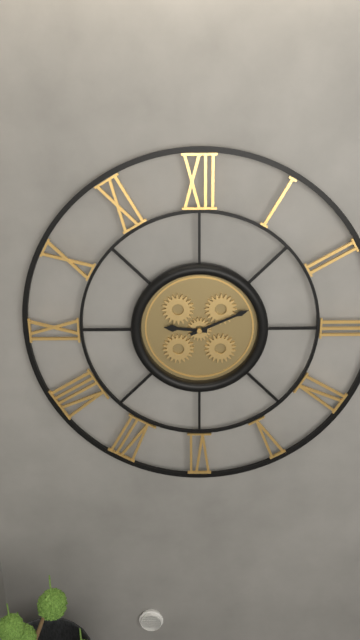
9:11
